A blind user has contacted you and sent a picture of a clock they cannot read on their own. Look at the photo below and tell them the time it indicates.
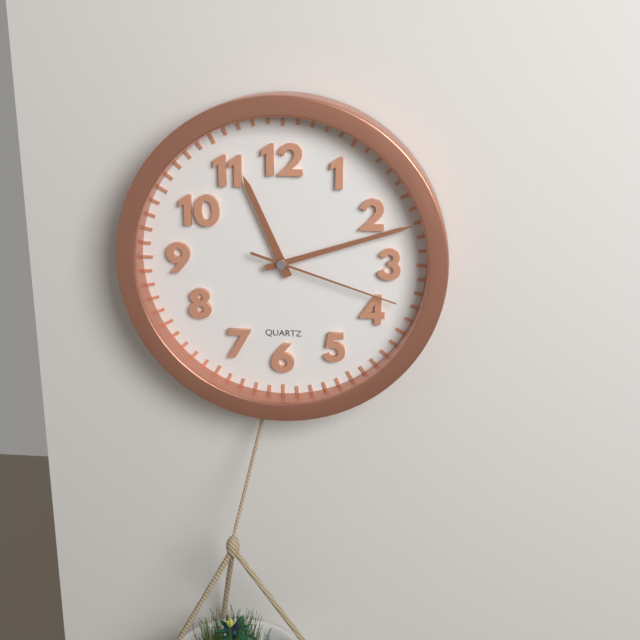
11:12:18
